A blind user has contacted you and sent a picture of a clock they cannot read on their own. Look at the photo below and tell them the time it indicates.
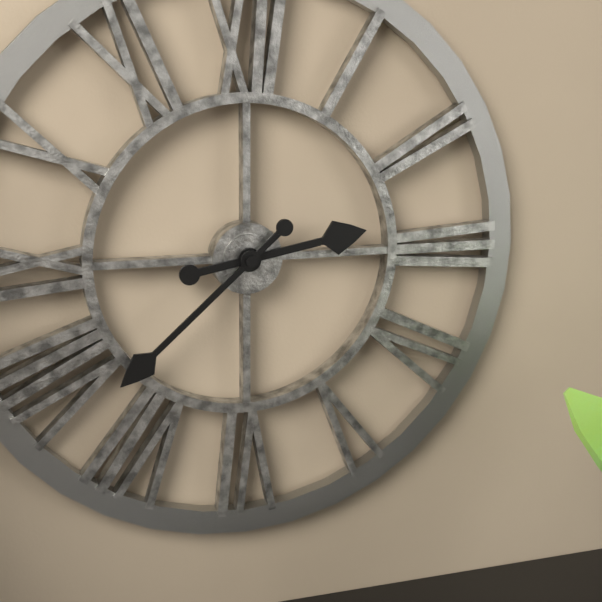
2:38
